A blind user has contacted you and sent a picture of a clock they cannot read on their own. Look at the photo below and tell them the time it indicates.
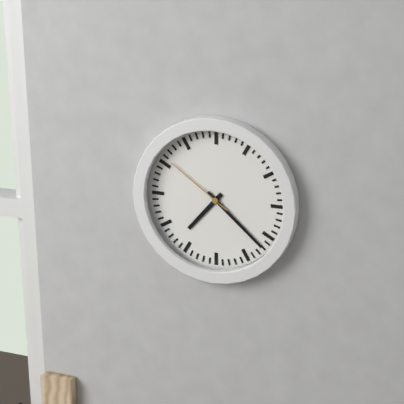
7:22:51
